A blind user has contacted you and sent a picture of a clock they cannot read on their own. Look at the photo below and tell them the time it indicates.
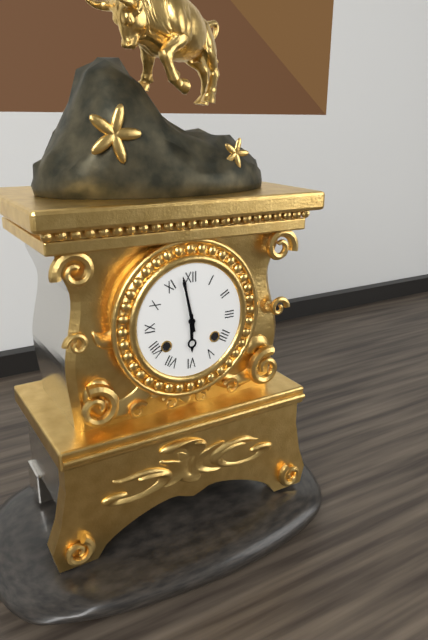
5:58
